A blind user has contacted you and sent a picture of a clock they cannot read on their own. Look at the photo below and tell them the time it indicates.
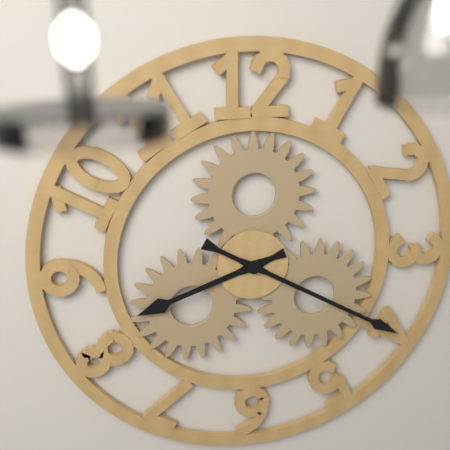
8:20
